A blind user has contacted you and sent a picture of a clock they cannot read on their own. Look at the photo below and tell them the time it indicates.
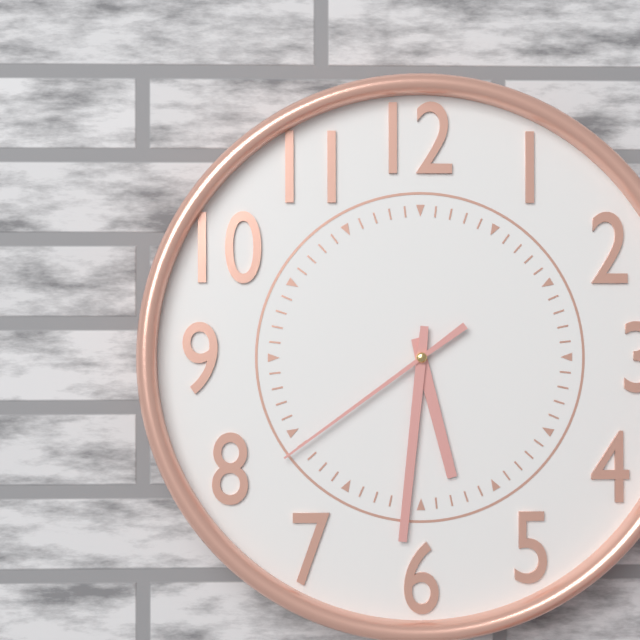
5:31:39
